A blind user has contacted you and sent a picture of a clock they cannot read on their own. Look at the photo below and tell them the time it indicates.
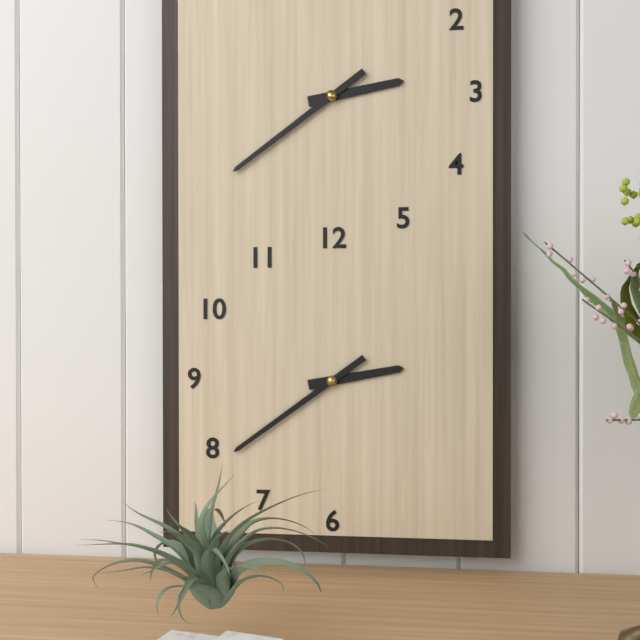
2:39
